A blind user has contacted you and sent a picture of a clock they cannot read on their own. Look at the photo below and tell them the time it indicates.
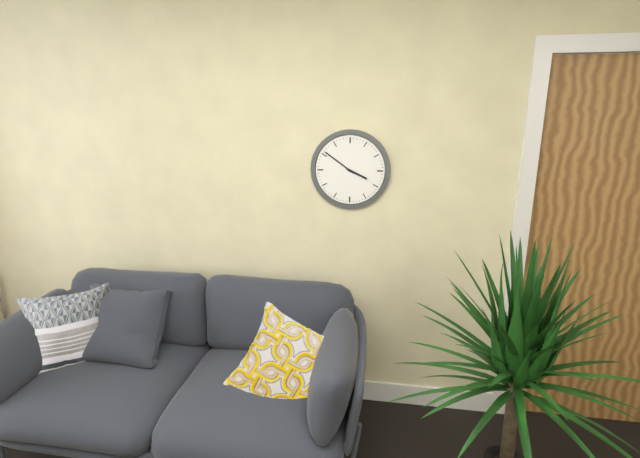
3:51
